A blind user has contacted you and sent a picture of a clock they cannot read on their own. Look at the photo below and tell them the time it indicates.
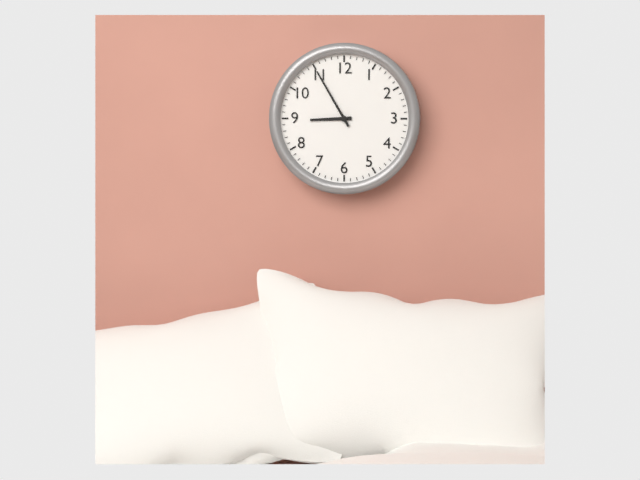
8:55
